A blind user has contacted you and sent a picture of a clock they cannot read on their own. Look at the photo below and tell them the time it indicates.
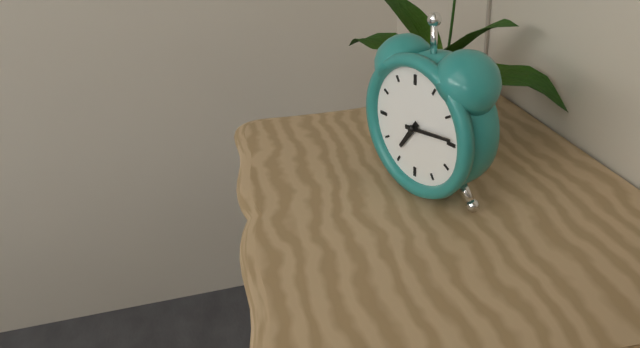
7:14
